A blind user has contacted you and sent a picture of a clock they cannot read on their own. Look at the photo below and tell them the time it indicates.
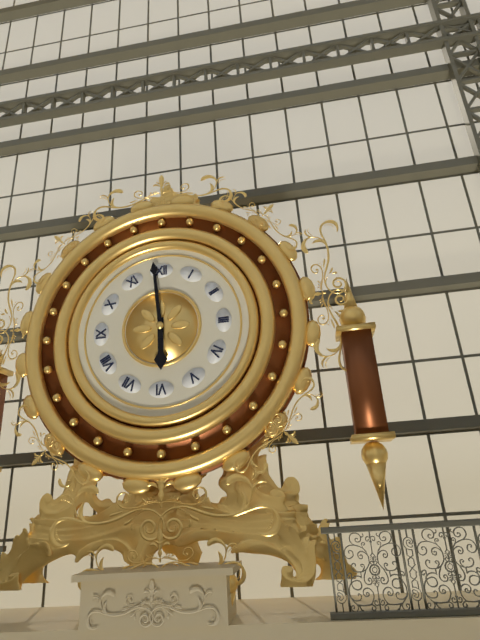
5:59
